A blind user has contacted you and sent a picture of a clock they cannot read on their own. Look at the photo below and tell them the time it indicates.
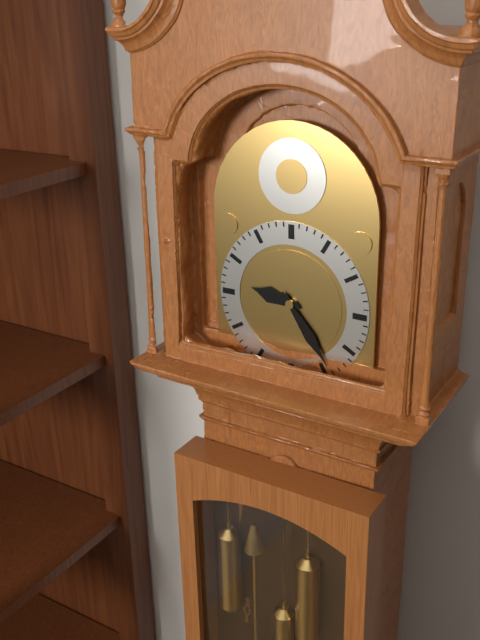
9:24
